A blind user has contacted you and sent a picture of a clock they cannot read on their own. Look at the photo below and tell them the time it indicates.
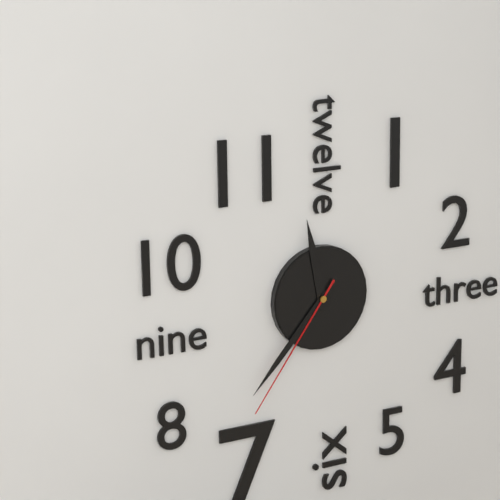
11:37:36
